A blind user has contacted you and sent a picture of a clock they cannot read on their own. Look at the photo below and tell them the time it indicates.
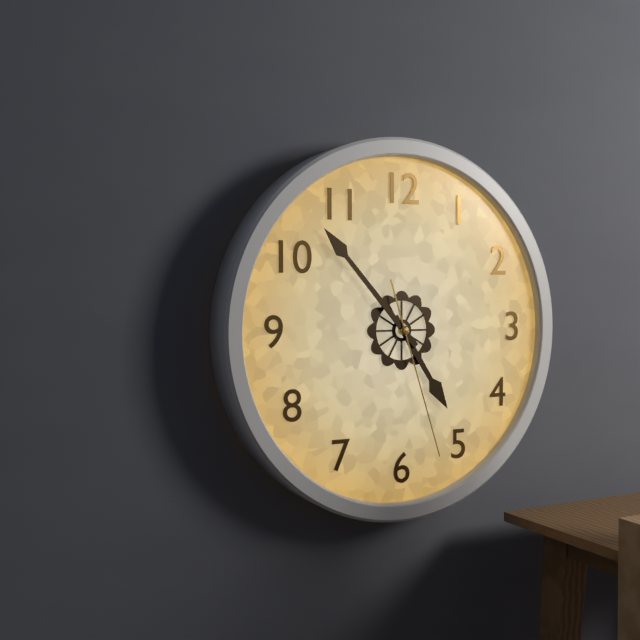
4:53:27
